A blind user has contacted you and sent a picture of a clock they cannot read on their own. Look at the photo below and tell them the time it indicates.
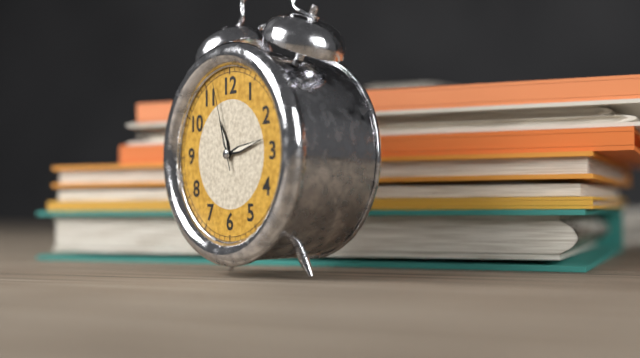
11:13:57
